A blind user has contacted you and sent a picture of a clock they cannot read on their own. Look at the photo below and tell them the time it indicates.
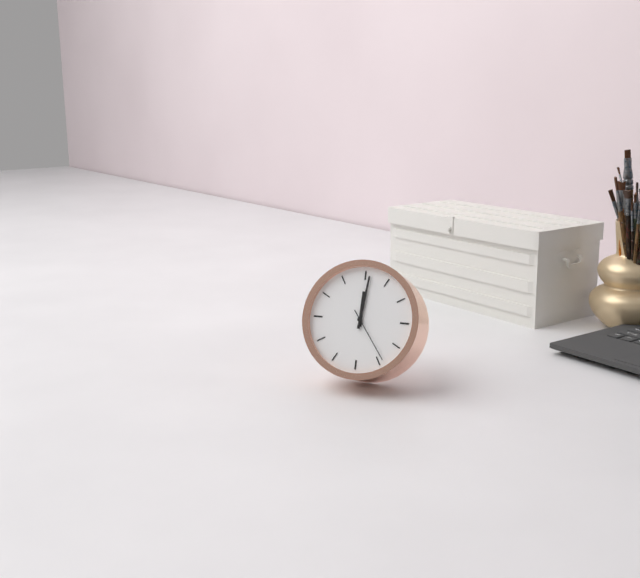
12:01:24
